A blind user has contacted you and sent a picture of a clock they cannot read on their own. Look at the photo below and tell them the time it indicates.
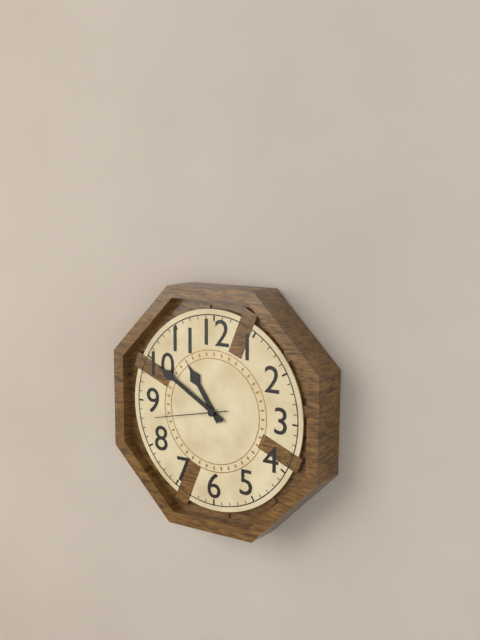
10:50:43
